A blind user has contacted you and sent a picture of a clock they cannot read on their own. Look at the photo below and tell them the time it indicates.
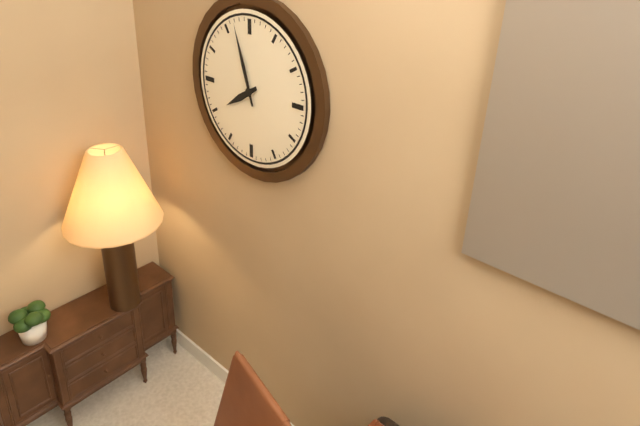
7:57
